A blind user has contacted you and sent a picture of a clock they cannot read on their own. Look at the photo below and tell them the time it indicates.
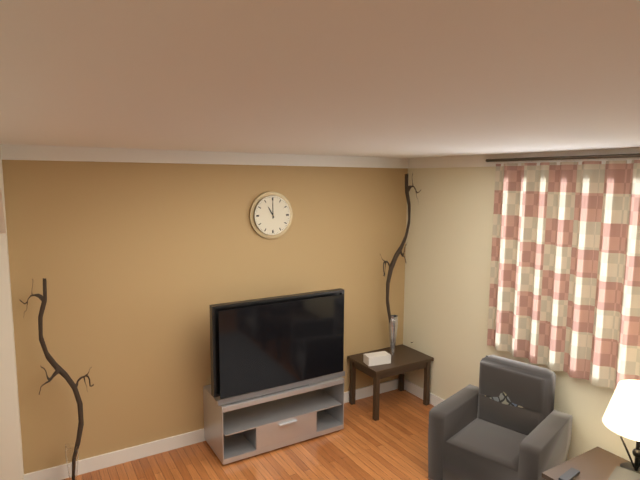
11:00
